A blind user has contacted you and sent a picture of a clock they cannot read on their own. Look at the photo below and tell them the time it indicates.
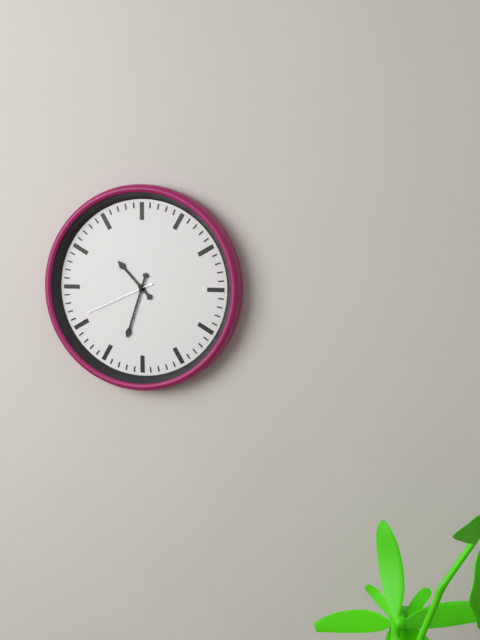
10:33:41
